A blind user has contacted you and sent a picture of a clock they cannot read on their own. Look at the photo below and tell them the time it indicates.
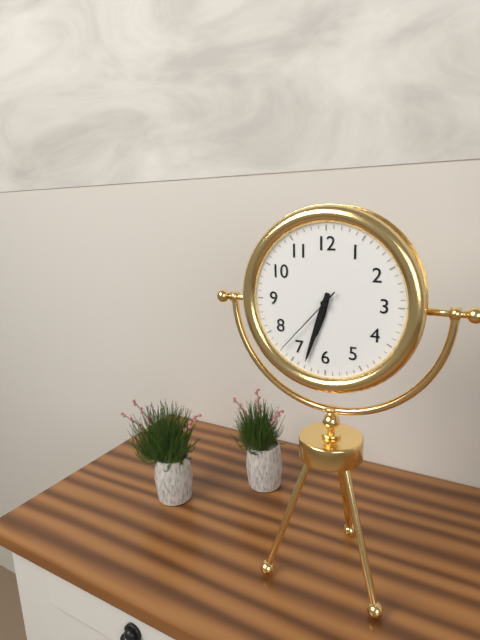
6:33:37
